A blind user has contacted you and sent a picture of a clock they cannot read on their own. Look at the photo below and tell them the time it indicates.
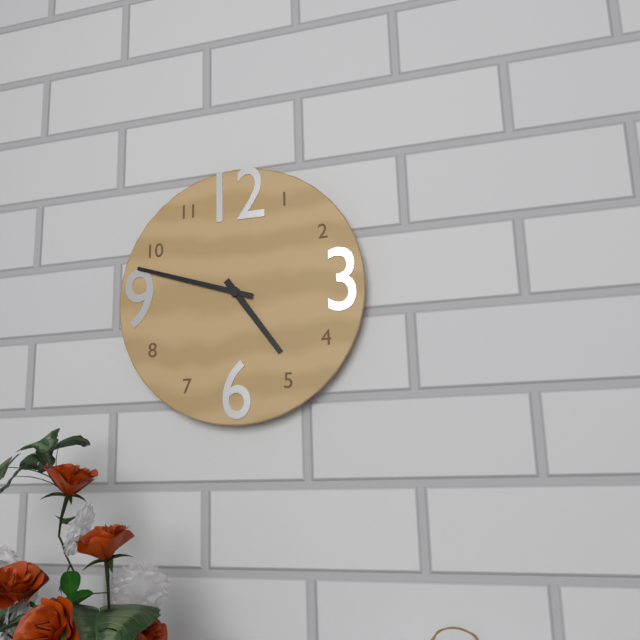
4:48
